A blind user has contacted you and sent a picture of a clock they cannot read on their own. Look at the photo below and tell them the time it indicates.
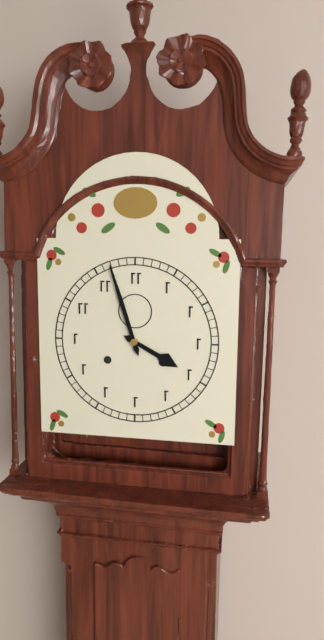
3:57
